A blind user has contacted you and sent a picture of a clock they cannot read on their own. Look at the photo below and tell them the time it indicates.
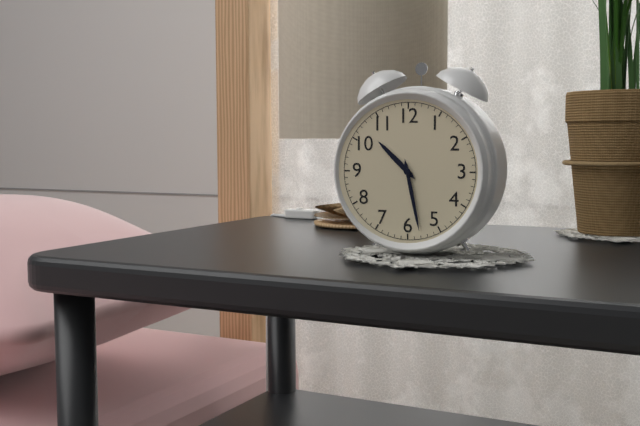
10:28
